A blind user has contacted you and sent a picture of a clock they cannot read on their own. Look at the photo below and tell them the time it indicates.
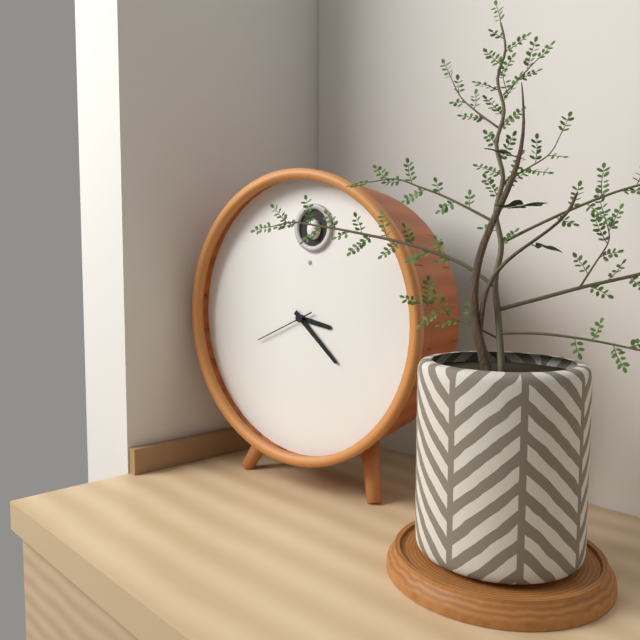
3:22:41
